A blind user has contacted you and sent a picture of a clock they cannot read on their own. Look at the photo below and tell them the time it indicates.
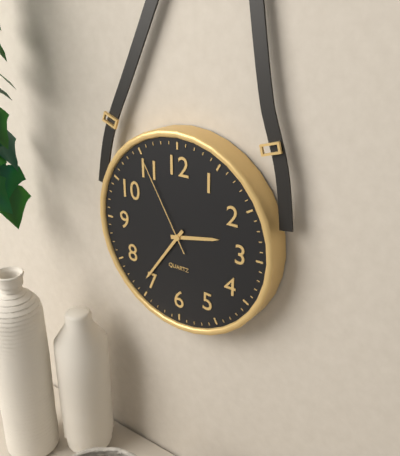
2:36:55
